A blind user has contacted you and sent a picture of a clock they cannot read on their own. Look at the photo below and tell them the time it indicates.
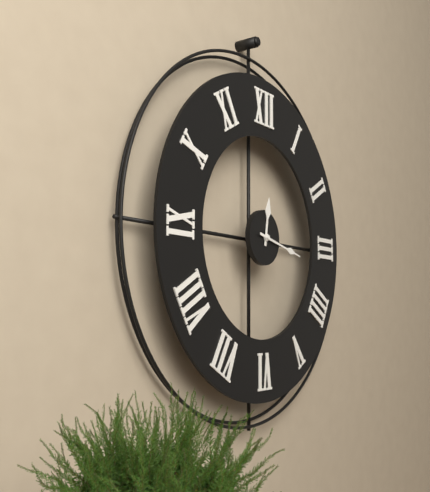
12:17
